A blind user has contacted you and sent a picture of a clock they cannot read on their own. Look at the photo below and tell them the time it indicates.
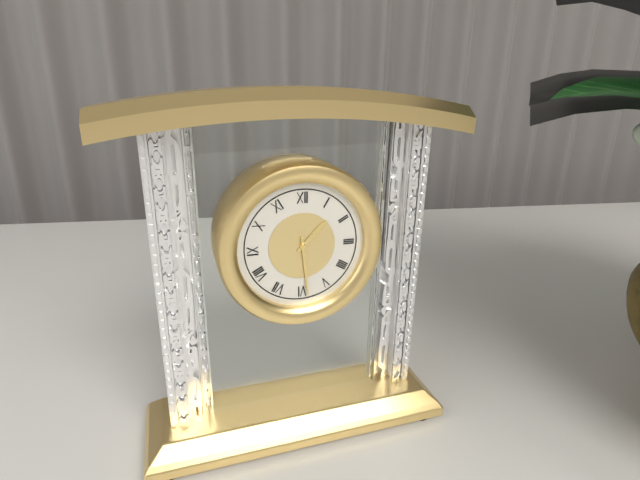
1:29
